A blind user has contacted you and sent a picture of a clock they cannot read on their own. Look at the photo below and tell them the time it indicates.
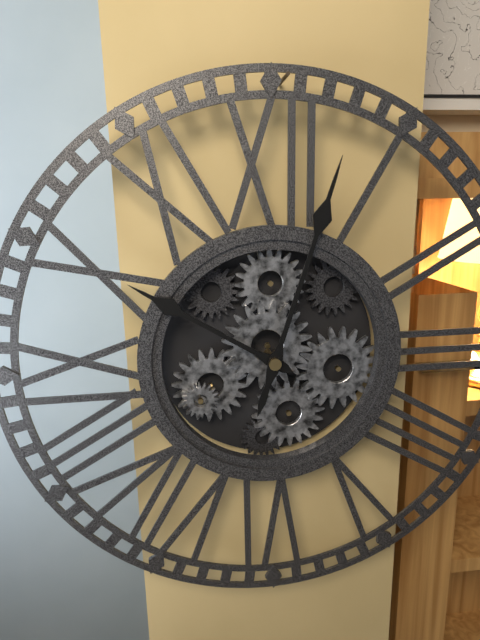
10:03
